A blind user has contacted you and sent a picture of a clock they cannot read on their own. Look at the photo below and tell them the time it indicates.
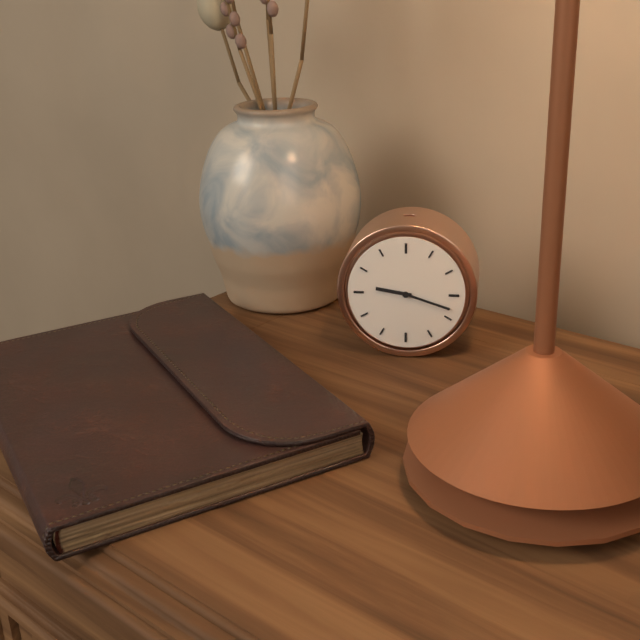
9:18
